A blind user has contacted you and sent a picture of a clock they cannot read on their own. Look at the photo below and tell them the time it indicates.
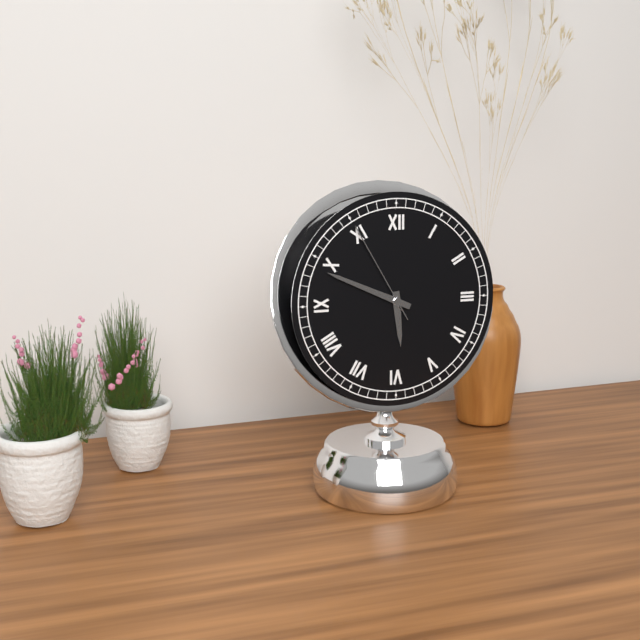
5:49:55
